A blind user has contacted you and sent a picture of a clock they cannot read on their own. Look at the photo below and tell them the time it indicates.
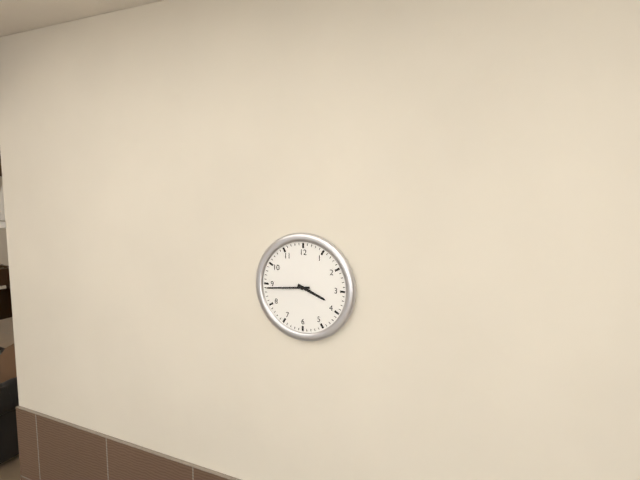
3:44
